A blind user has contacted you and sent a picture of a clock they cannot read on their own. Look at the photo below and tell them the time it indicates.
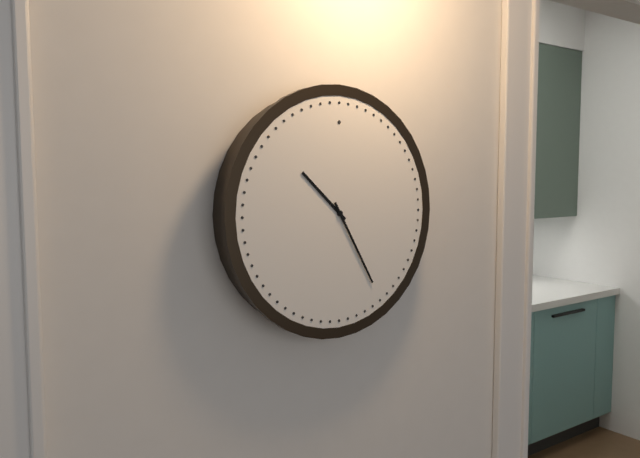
10:25
